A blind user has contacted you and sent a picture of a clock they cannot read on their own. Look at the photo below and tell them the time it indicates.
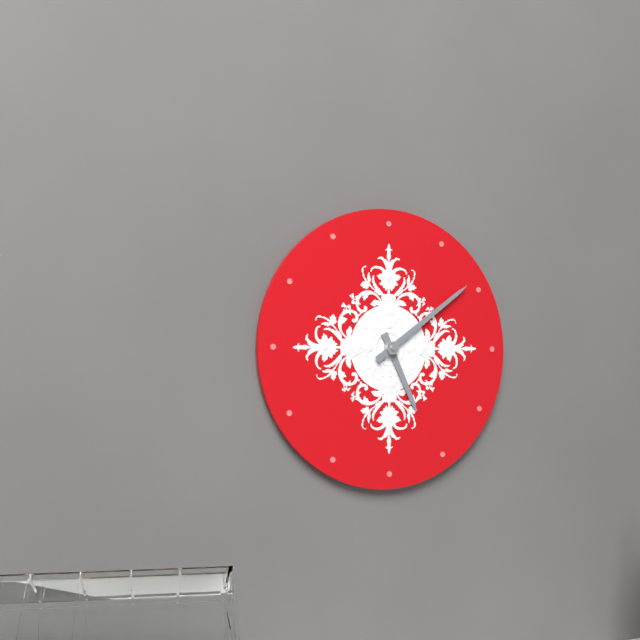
5:09
